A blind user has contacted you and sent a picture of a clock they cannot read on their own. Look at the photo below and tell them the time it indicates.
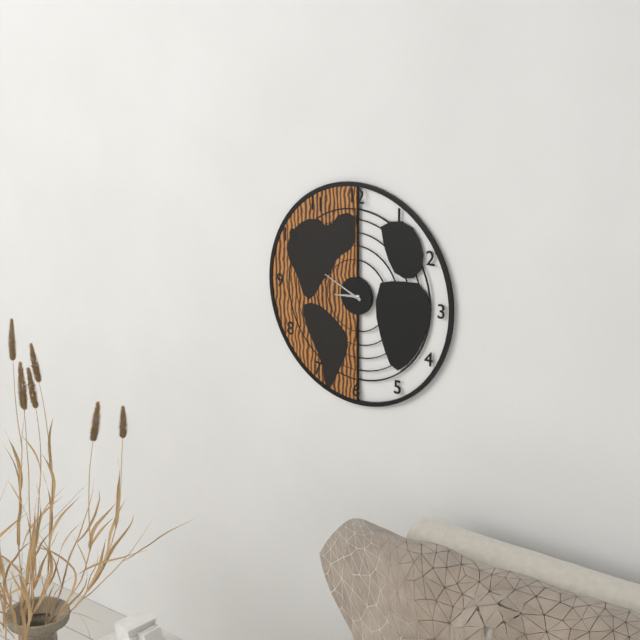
8:49
